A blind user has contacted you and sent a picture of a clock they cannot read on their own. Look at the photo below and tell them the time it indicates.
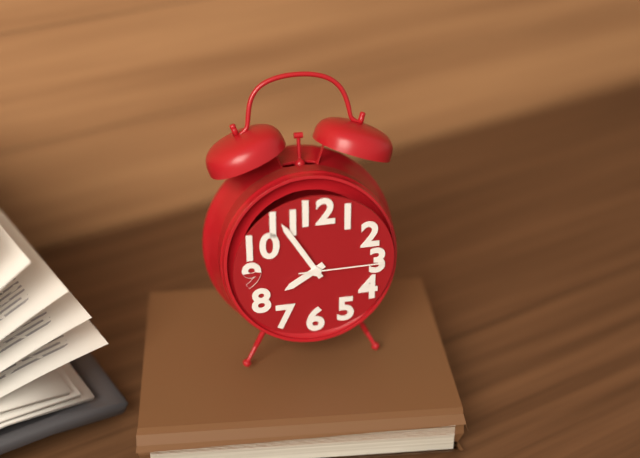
7:55:15
